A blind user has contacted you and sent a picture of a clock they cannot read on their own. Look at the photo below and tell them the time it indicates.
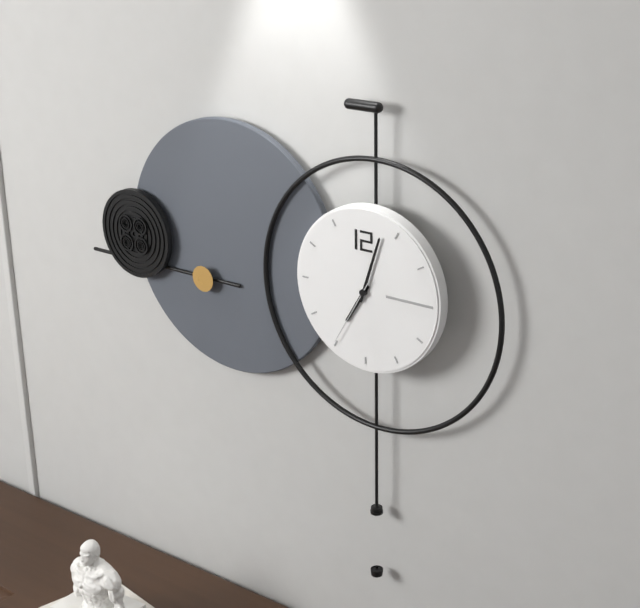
7:03:35
